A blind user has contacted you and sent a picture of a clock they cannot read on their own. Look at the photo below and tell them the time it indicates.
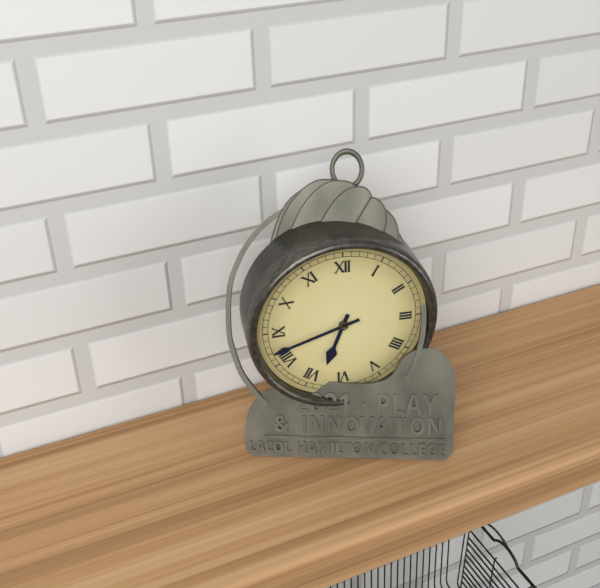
6:42
